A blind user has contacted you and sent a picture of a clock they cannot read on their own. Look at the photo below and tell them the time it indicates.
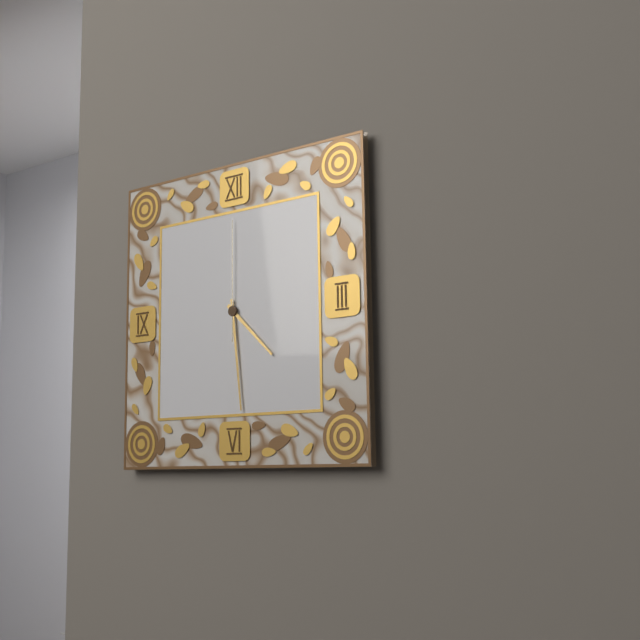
4:29:00
